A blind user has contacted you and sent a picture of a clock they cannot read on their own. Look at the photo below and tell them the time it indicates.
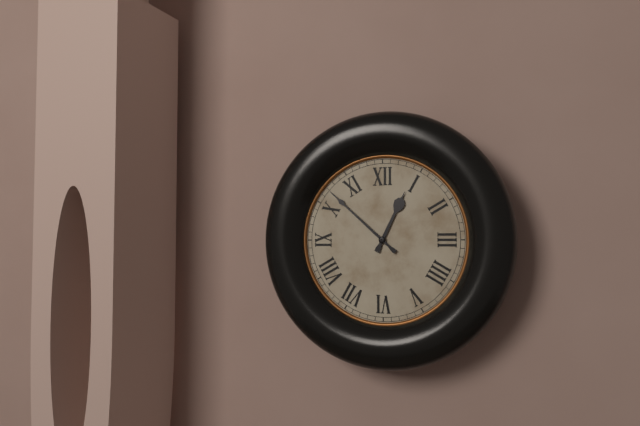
12:52
